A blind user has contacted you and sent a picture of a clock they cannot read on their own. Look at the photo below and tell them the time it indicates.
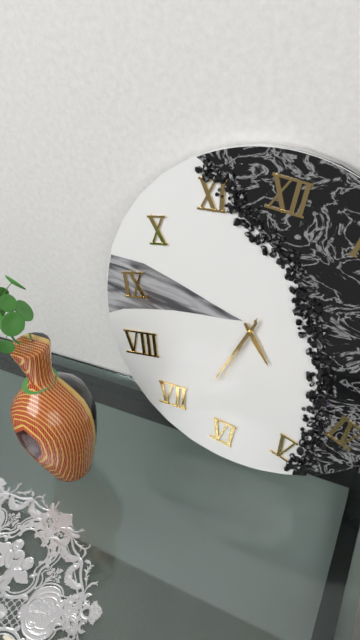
4:33:32
